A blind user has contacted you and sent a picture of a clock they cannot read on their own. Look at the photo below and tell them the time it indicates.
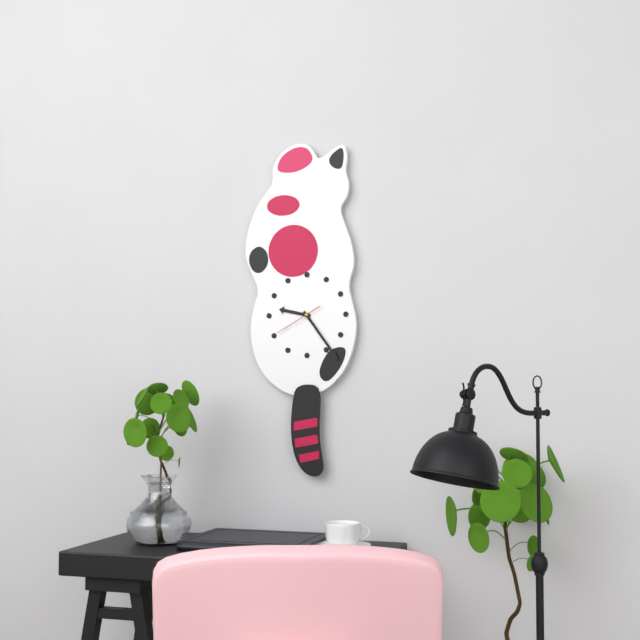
9:24
